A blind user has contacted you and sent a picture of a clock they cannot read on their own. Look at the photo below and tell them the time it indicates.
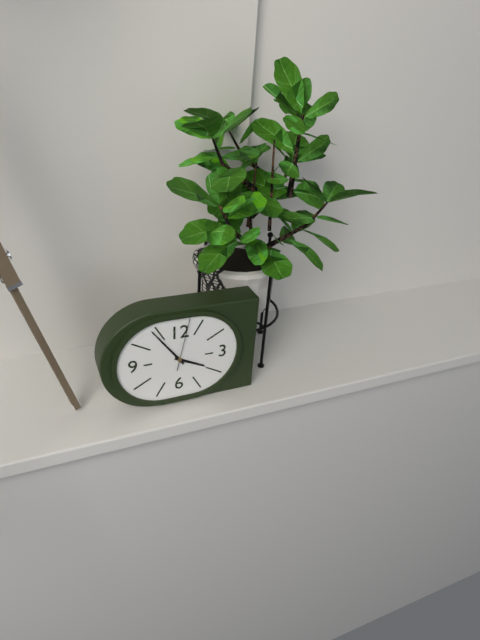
3:54:02
